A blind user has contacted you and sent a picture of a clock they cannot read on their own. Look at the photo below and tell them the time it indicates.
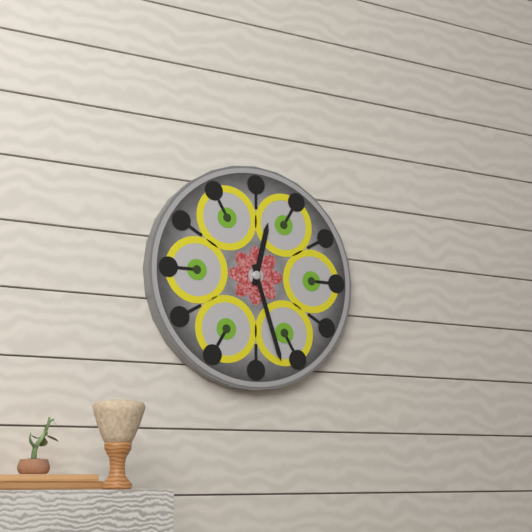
12:27
